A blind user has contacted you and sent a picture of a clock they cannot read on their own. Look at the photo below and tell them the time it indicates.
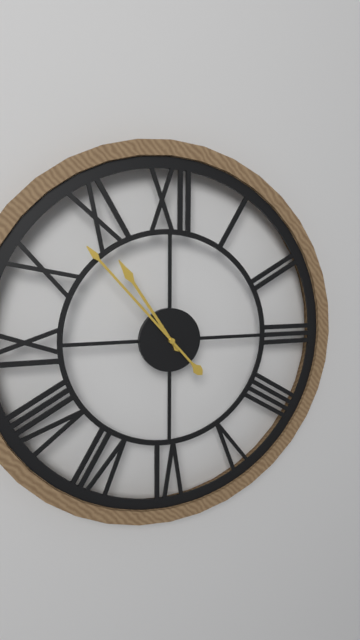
10:53
